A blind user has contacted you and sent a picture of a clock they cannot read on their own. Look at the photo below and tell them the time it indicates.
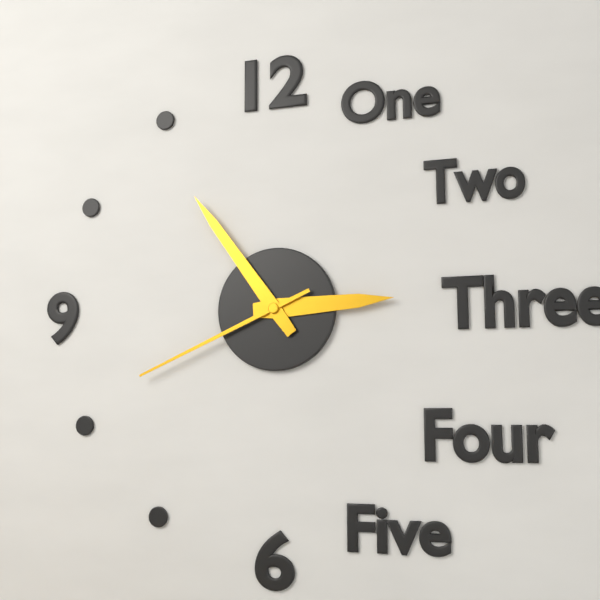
2:54:41
